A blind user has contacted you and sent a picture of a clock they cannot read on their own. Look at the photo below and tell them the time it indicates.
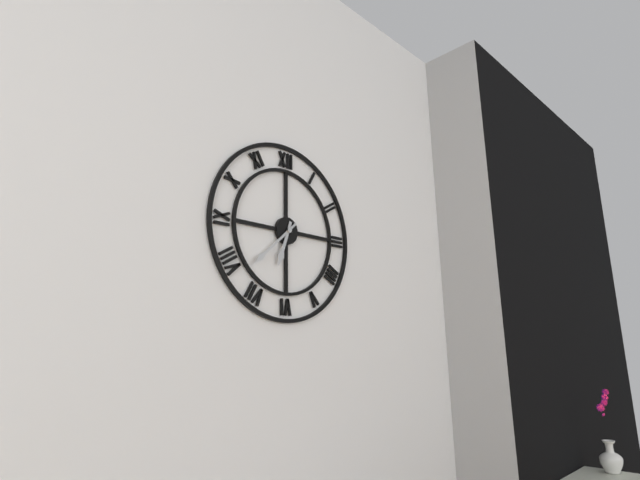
6:38
